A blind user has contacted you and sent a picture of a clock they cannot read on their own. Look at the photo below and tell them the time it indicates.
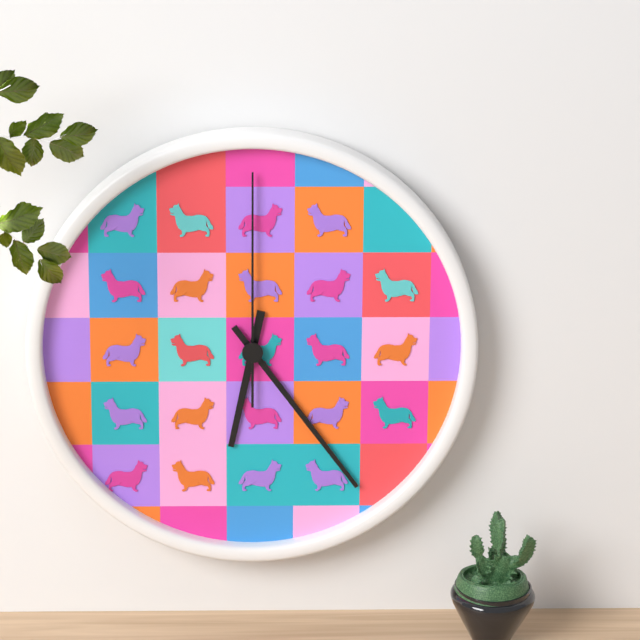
6:24:00
